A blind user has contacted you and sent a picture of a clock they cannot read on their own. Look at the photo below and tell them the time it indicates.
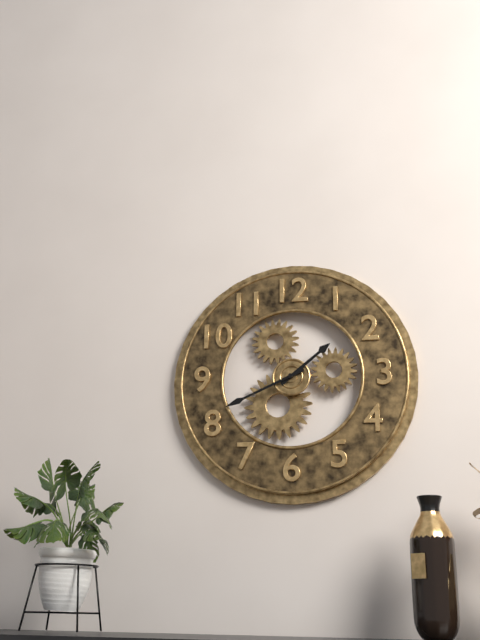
1:41
